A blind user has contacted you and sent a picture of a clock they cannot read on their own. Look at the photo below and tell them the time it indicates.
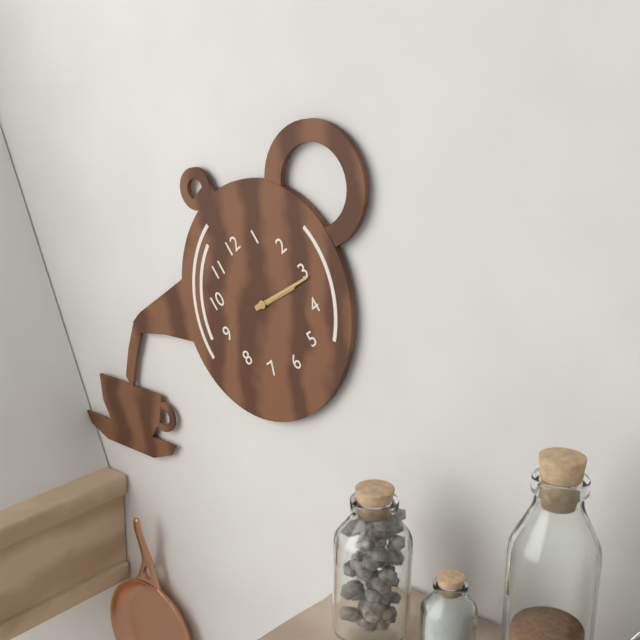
3:16
